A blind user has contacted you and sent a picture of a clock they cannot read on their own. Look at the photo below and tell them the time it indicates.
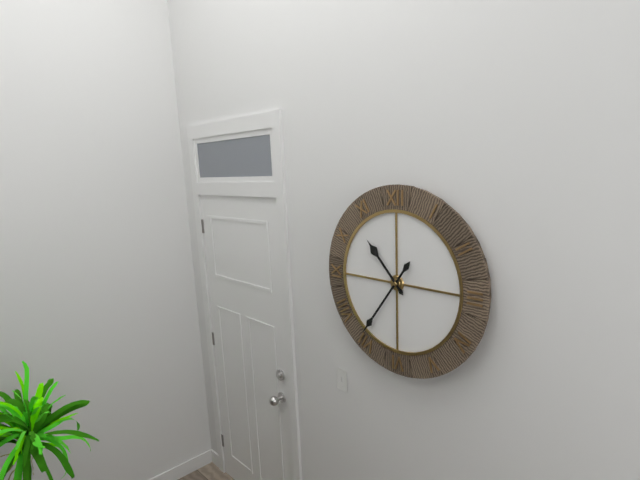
10:36
